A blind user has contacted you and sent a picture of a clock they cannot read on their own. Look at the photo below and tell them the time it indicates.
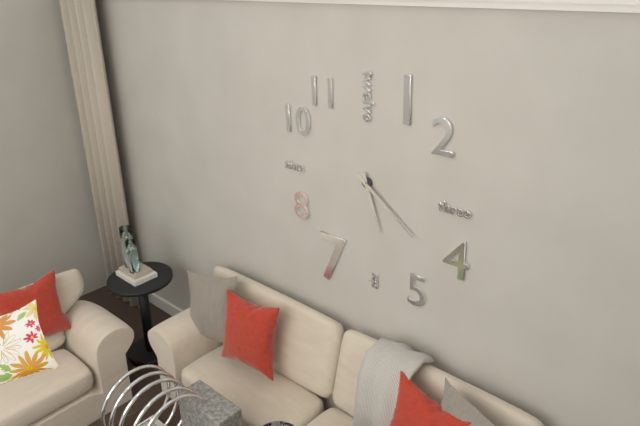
5:21
